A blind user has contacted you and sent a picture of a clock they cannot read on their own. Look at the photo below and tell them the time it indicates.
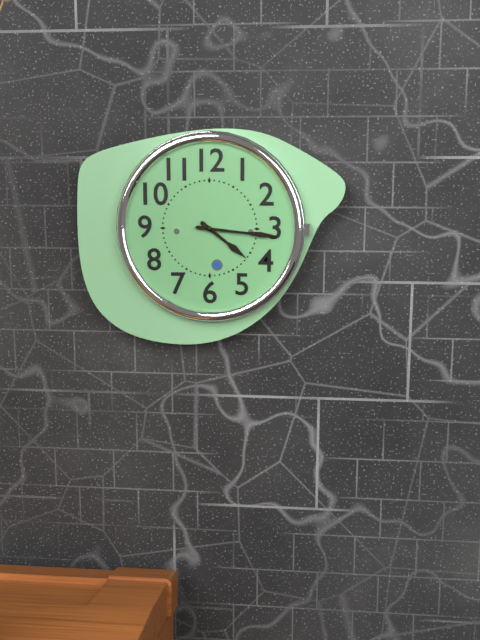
4:16
